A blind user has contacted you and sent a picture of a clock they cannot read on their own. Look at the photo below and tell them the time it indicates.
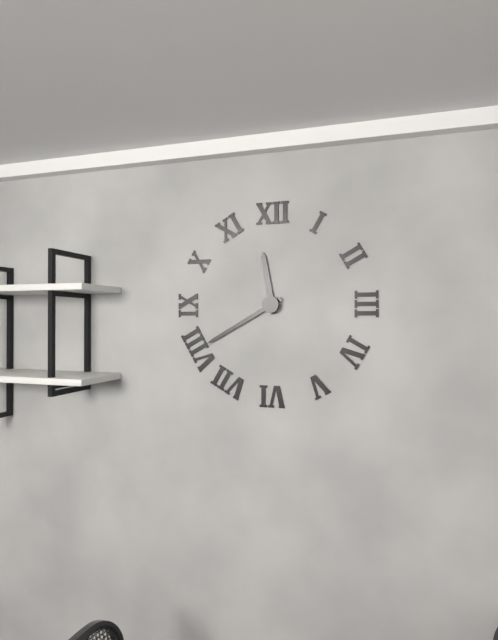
11:40
